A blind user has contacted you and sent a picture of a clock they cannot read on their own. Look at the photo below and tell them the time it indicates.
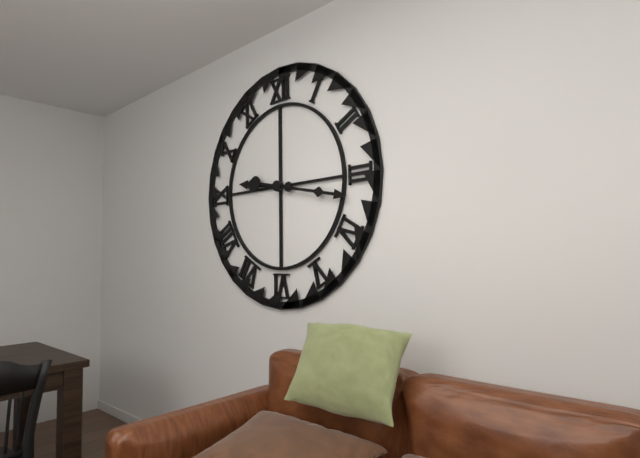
9:17
